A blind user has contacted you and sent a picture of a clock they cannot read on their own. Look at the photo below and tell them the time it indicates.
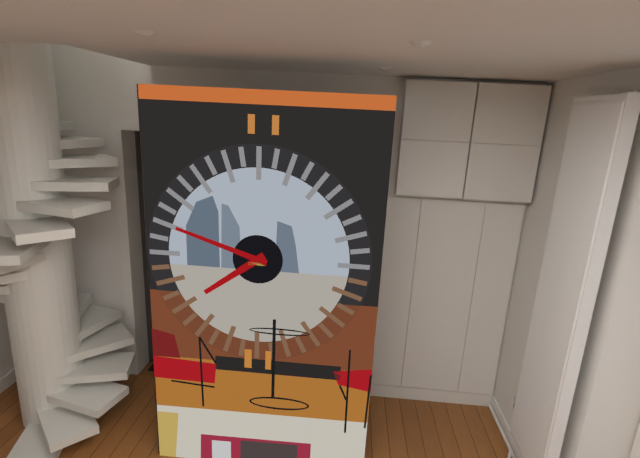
7:48
